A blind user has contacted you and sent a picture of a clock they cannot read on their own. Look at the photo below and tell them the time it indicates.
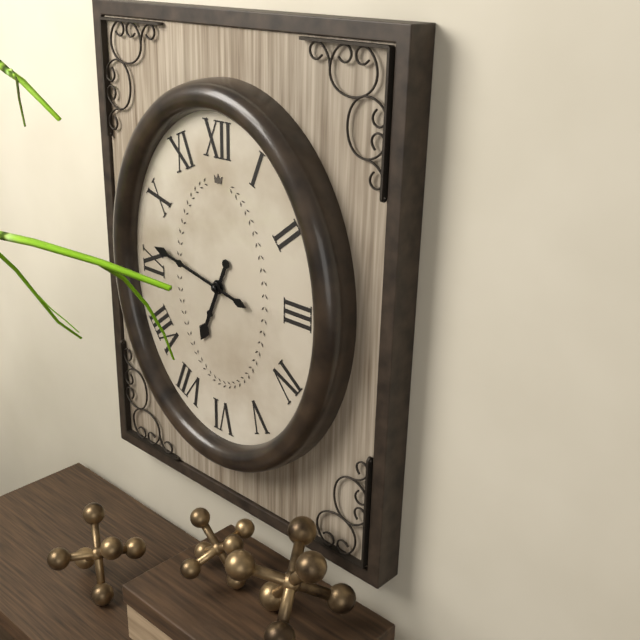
6:47
